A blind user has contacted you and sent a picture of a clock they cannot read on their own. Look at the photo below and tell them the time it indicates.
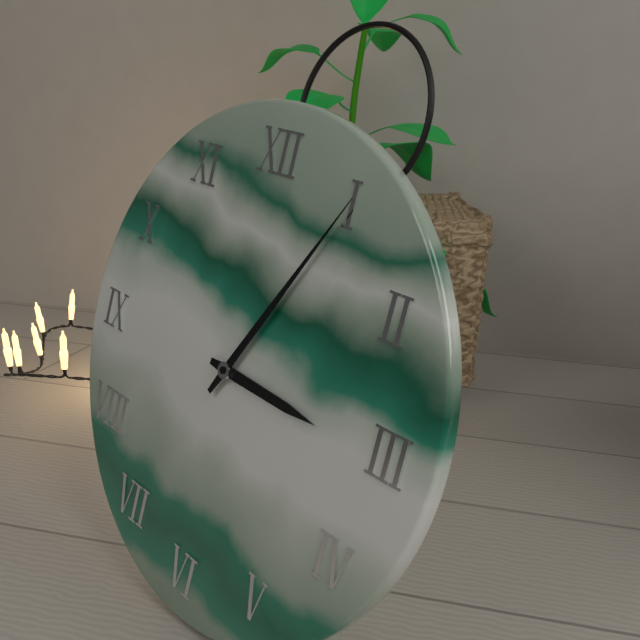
3:05
